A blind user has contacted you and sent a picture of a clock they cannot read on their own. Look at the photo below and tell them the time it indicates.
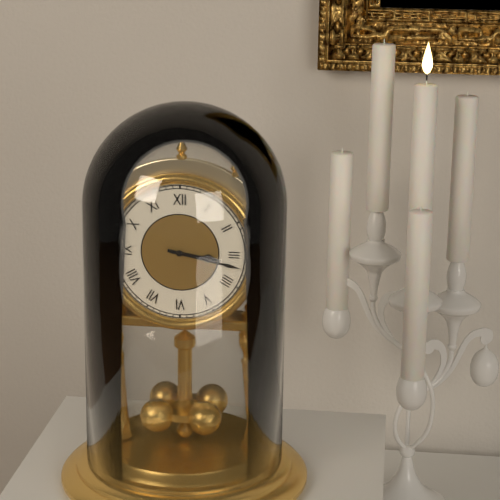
3:17
